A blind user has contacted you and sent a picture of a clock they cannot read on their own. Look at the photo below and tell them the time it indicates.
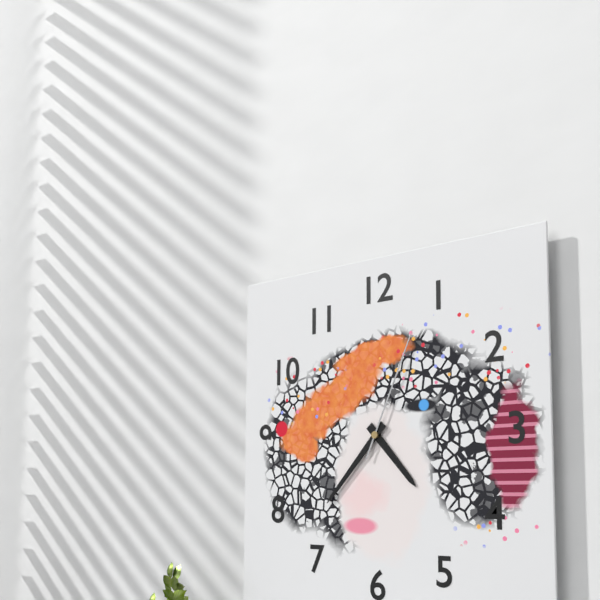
4:37:04
